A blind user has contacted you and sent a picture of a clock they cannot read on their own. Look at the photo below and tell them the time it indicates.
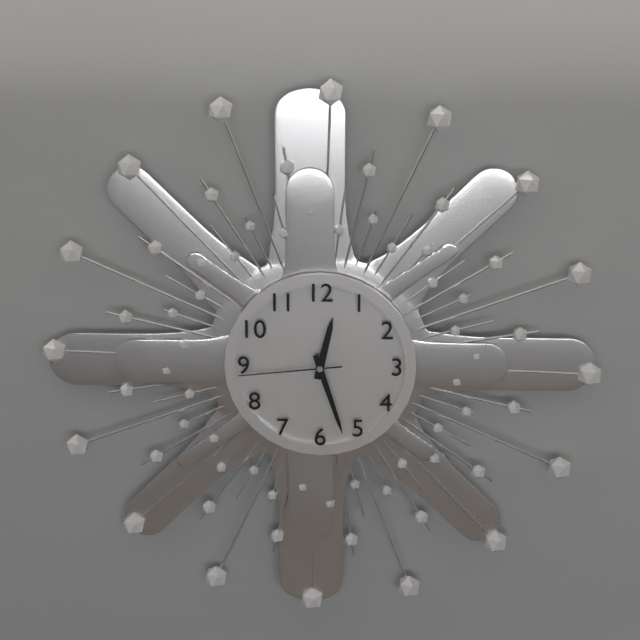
12:27:44
